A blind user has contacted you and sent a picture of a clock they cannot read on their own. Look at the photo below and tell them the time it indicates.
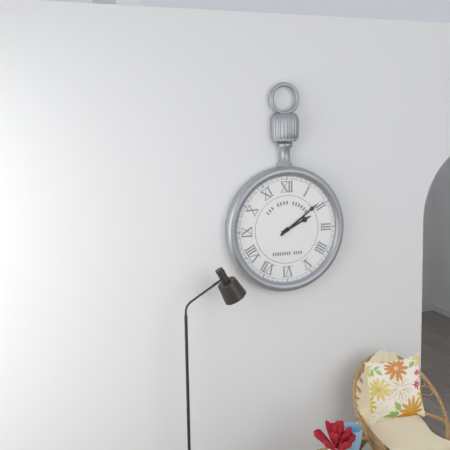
2:09
